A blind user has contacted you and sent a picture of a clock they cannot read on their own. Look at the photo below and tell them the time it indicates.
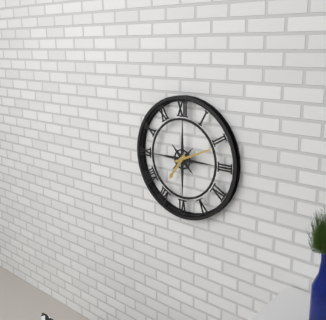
7:11
